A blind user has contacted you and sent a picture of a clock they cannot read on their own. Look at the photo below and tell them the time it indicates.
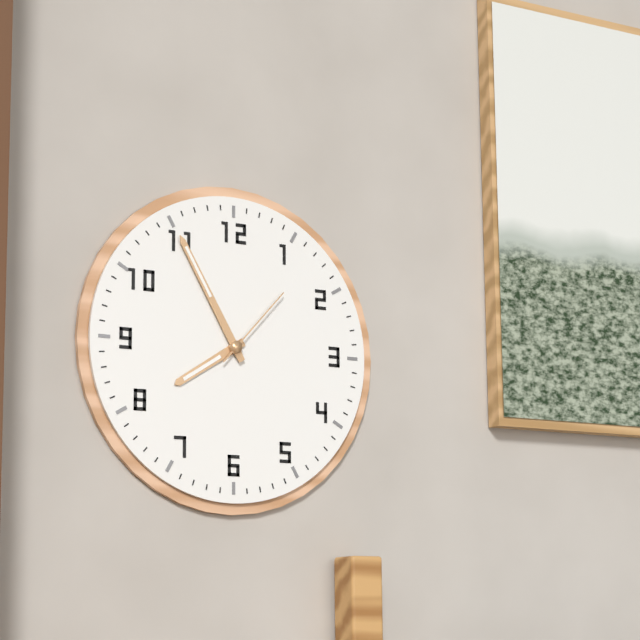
7:55:07
